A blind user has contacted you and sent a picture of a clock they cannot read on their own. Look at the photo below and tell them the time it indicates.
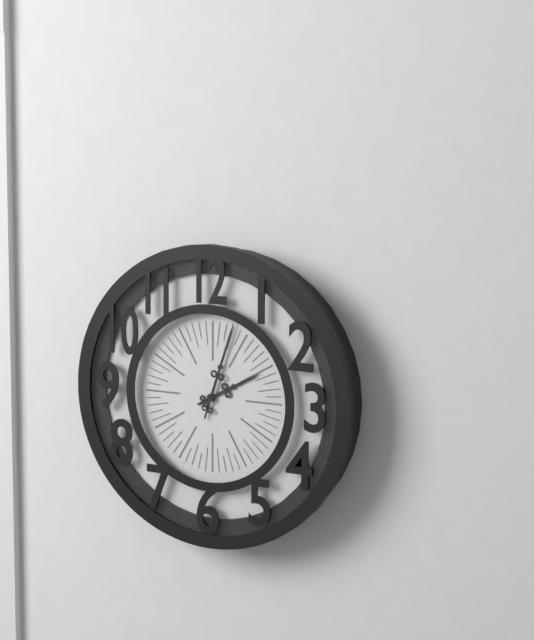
2:03
